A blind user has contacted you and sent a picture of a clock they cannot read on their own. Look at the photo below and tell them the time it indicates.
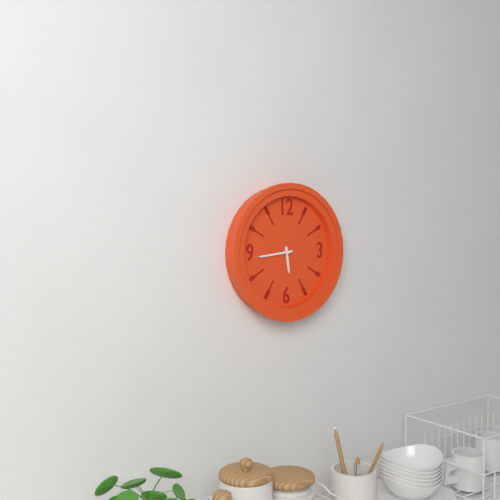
5:44
